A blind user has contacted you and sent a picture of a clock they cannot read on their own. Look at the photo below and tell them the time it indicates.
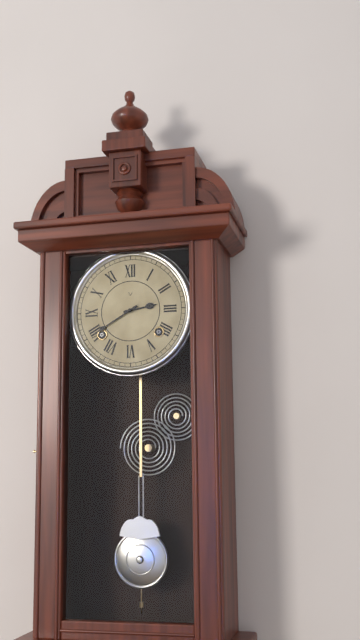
2:40
